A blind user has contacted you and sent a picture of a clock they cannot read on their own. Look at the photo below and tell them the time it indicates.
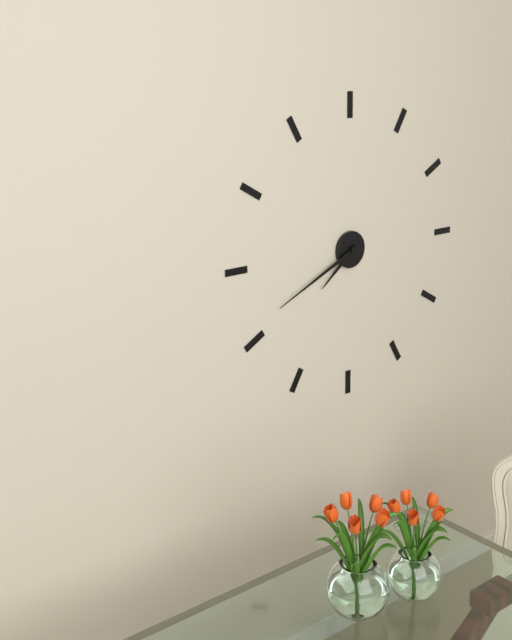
7:41
